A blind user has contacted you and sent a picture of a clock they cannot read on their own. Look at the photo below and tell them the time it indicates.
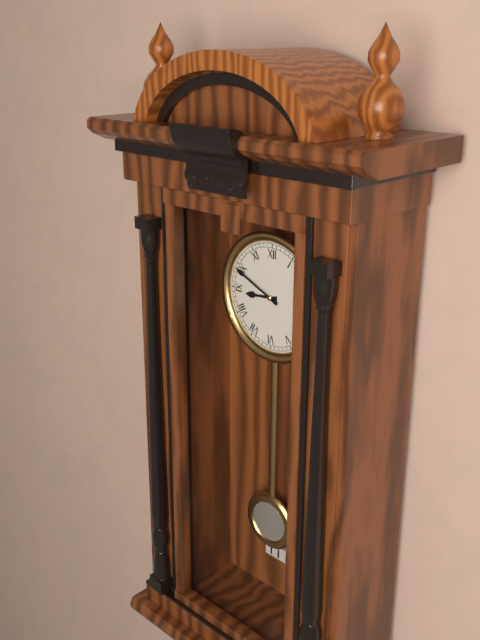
8:49
